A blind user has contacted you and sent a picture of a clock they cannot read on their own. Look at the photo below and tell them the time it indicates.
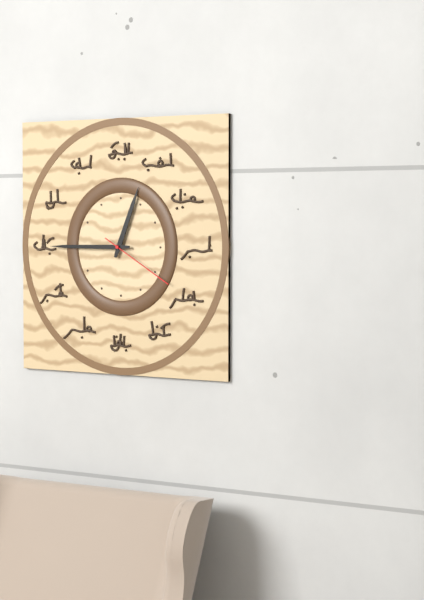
12:45:20
